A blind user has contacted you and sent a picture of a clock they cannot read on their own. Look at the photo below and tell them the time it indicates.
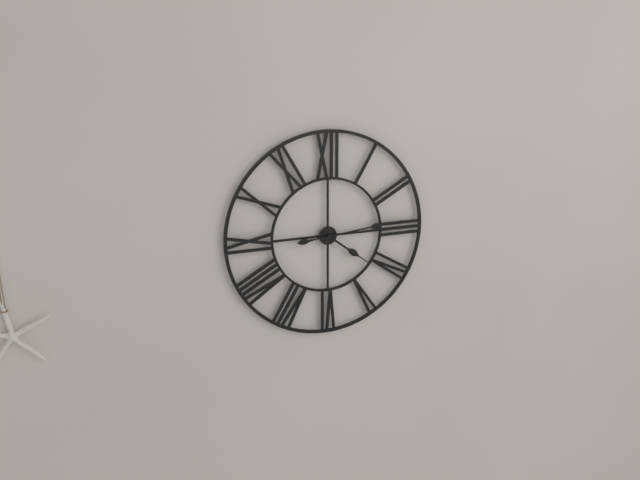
4:14
